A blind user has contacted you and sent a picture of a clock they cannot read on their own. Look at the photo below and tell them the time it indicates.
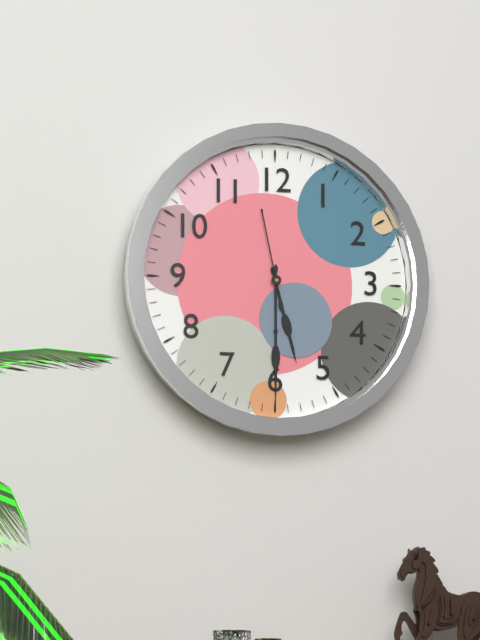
5:30:58
